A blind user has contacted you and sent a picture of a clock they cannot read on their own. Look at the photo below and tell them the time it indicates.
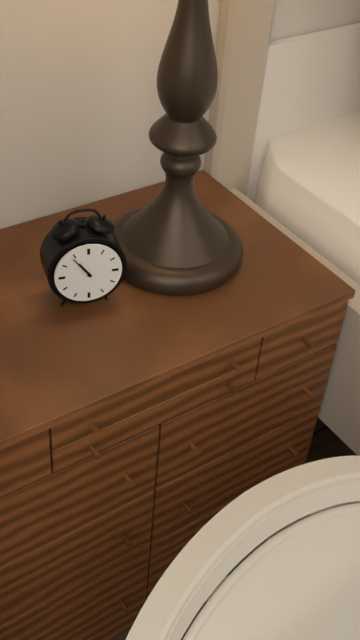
10:54
